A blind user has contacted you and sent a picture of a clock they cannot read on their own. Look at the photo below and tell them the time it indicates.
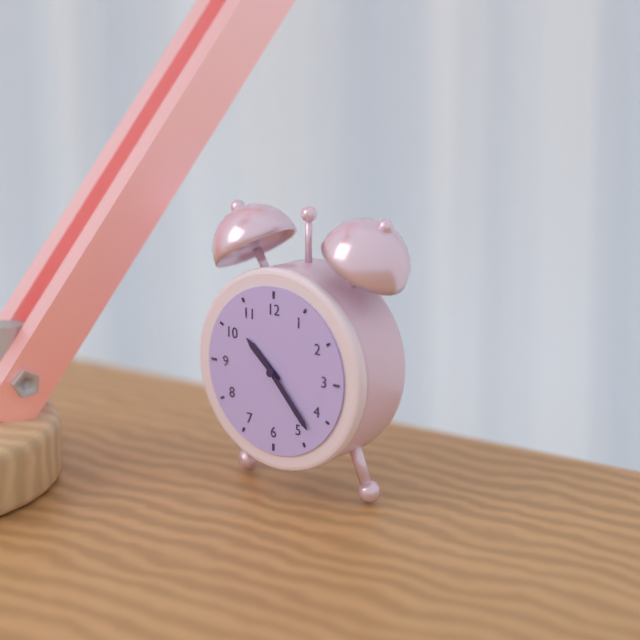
10:23
